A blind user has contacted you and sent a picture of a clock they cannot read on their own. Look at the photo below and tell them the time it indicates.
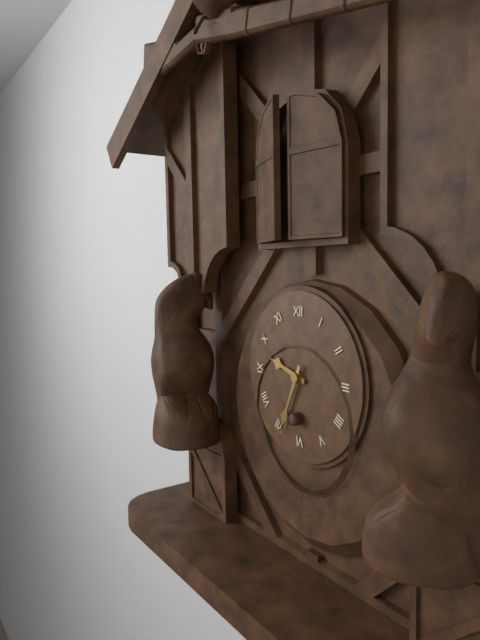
9:34
